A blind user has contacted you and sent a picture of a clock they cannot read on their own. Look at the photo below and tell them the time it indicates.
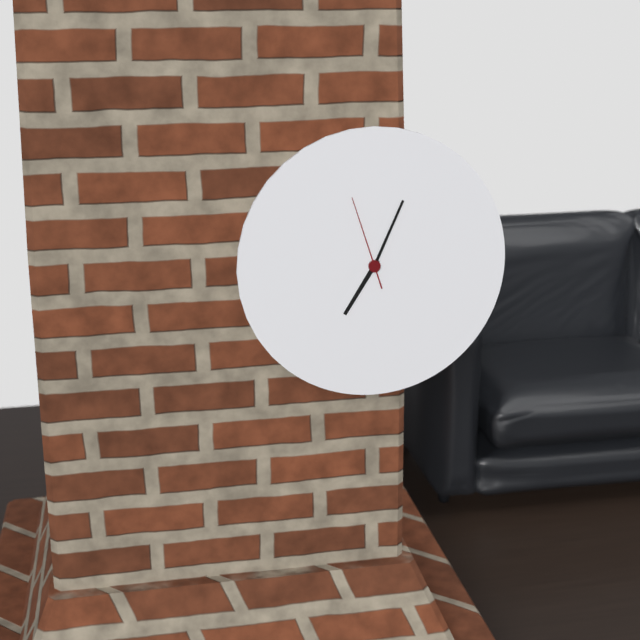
7:04:57
